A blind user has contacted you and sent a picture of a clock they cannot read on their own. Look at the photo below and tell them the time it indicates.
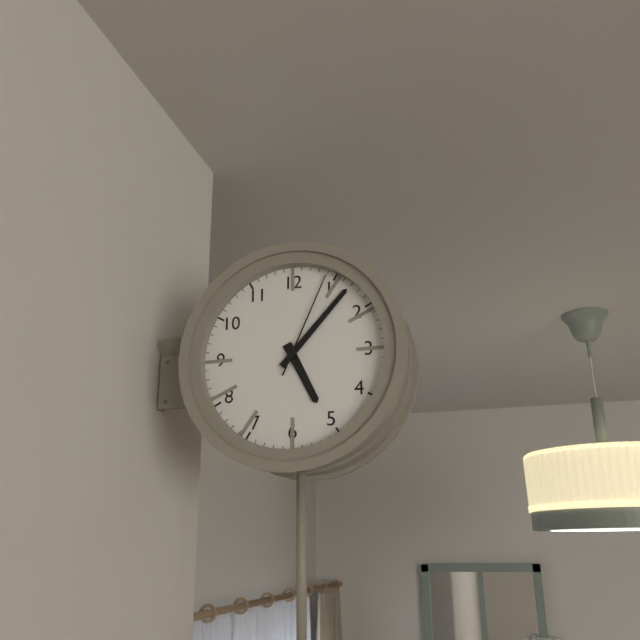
5:07:04
